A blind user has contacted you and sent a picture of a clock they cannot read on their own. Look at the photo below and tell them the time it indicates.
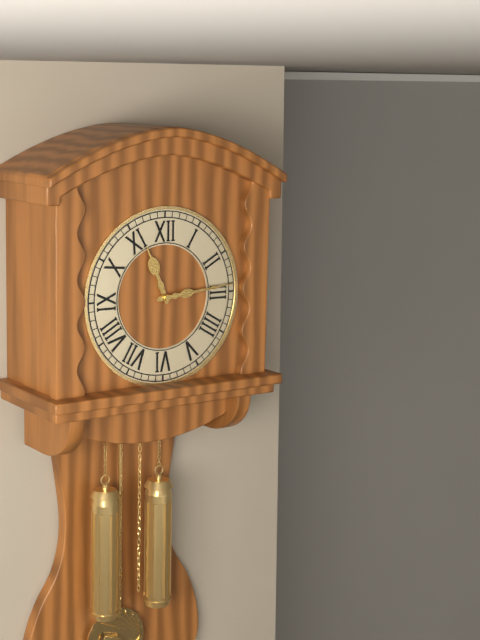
11:14
